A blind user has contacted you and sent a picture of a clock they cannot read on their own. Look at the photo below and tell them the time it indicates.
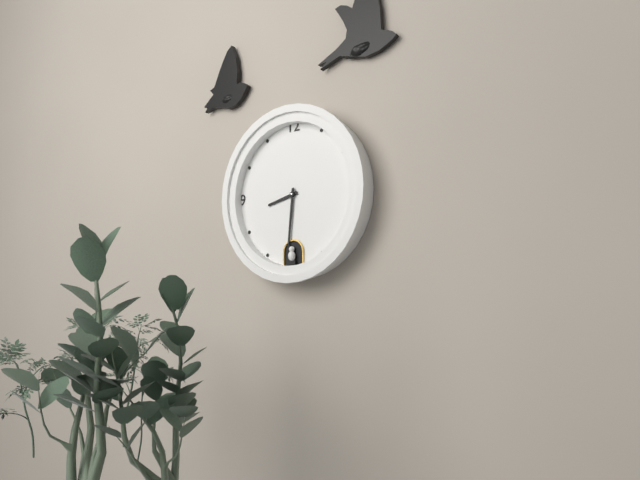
8:31
